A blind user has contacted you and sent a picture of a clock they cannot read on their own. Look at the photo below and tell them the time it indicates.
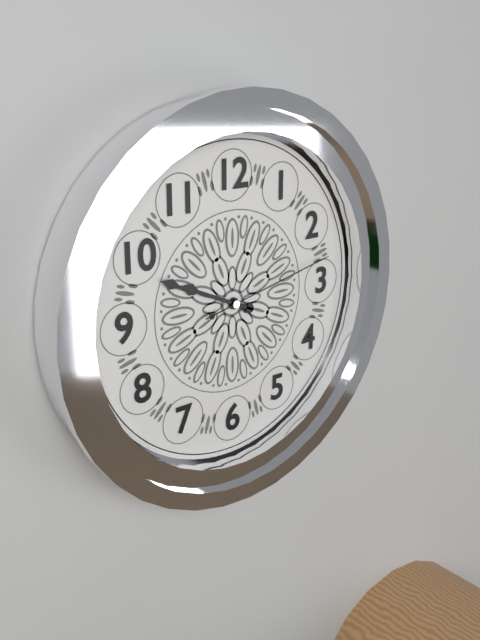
9:49:13
